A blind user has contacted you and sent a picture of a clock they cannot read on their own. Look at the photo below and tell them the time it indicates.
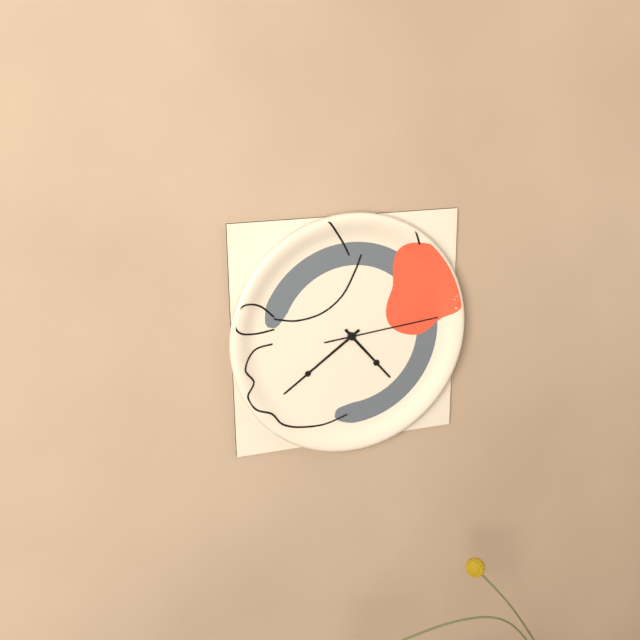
4:39:14
